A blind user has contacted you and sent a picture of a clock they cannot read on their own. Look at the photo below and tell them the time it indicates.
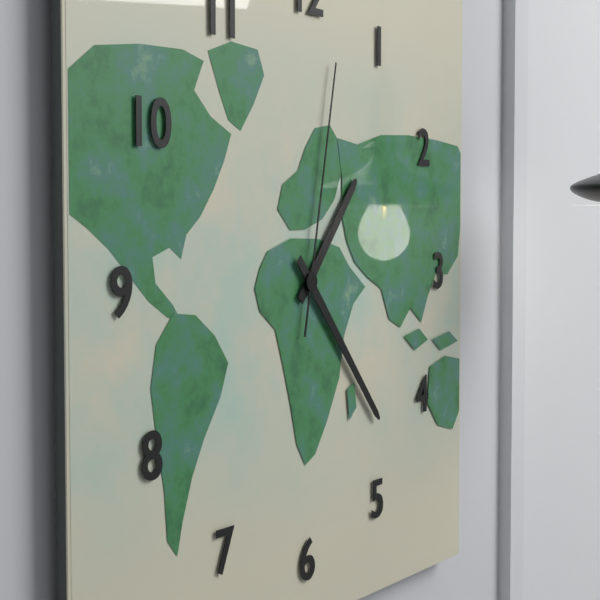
1:23:02
